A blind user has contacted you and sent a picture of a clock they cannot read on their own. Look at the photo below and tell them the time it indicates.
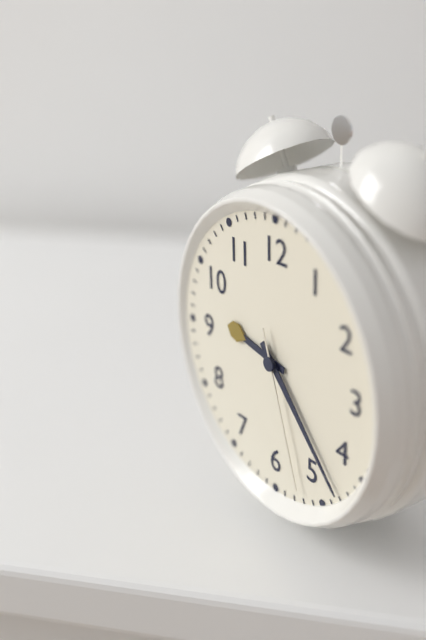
9:23:27
